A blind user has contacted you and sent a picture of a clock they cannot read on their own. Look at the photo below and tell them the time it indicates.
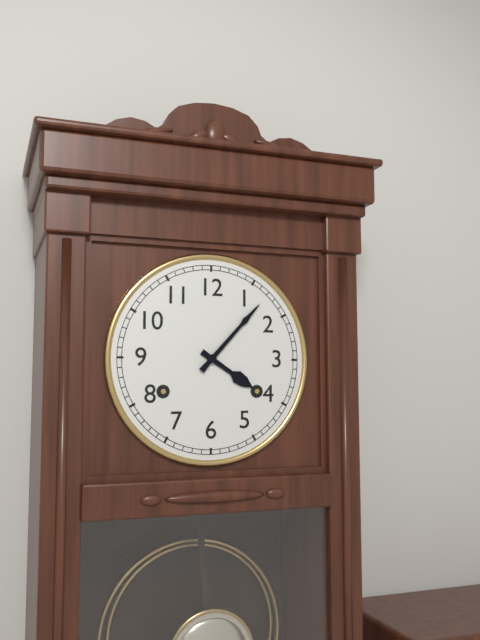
4:07
